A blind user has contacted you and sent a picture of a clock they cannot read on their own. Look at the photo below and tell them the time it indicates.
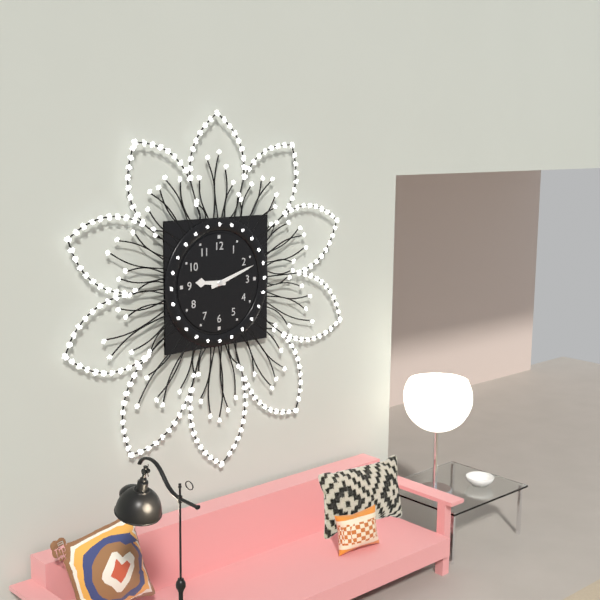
9:12
